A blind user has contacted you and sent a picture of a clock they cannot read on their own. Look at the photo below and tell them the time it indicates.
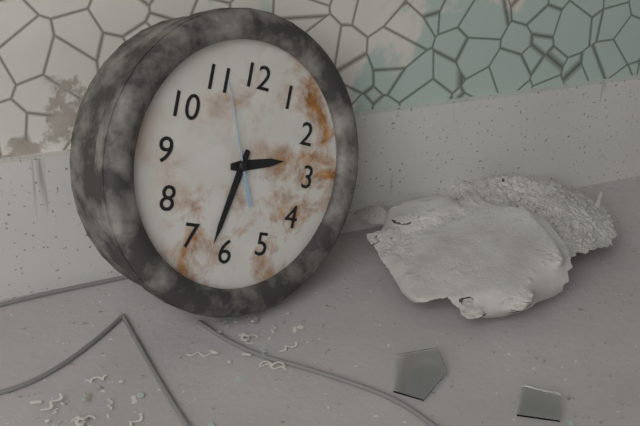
2:32:56
